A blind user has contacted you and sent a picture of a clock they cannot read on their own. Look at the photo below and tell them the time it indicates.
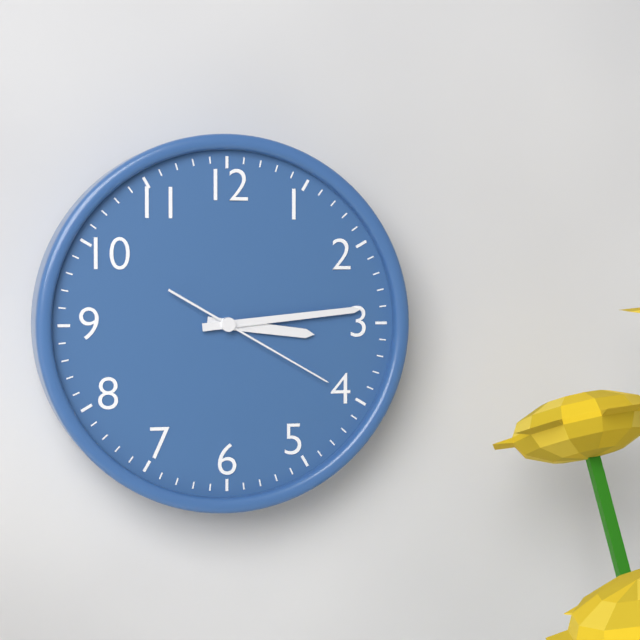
3:14:20
